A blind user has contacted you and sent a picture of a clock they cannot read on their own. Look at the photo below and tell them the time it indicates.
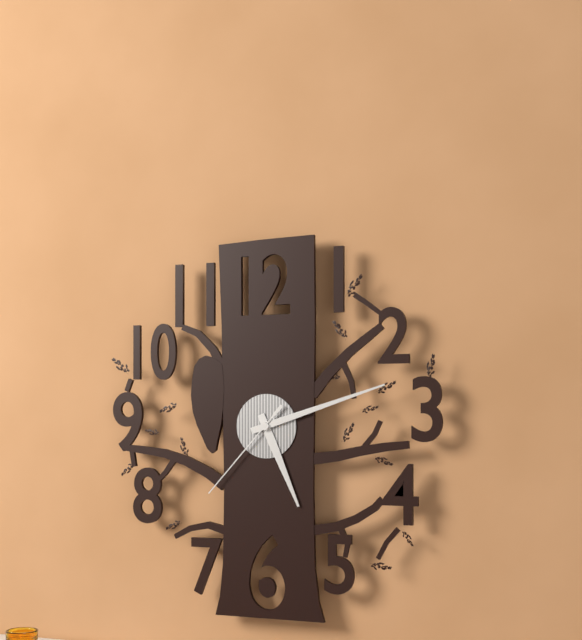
5:12:37
